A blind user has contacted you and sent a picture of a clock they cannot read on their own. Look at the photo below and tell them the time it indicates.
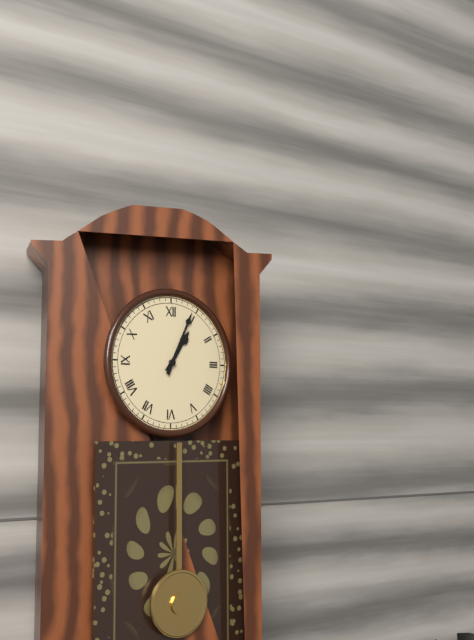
1:04
